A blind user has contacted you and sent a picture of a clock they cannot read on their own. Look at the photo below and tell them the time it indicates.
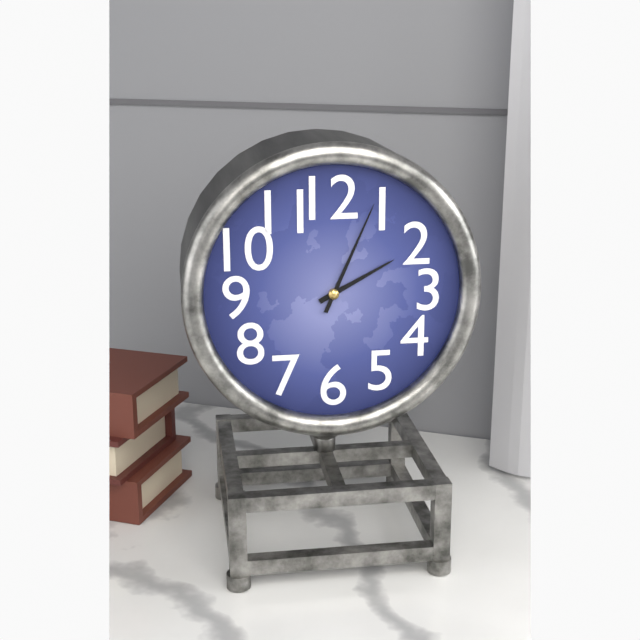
2:04
